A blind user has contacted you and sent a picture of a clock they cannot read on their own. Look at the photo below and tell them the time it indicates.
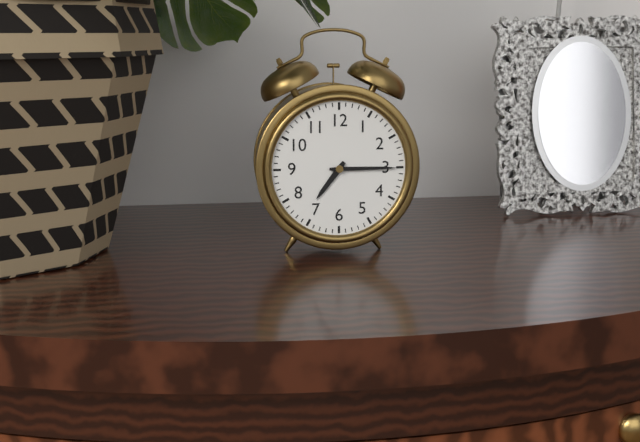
7:15
